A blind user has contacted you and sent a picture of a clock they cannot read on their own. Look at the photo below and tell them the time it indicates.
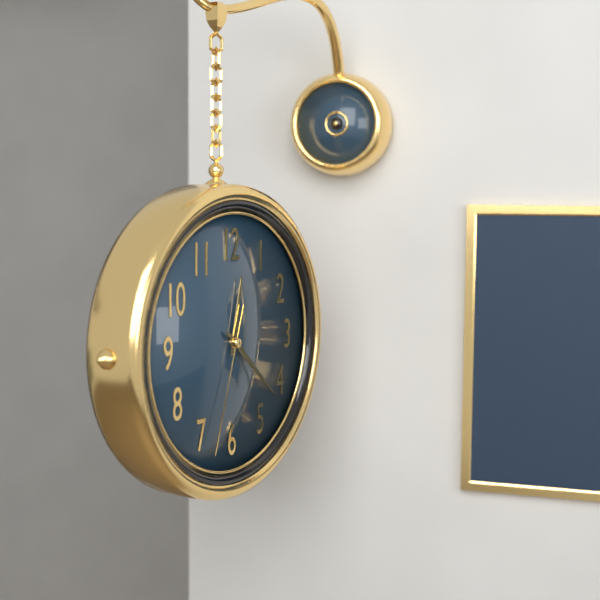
12:22:33
